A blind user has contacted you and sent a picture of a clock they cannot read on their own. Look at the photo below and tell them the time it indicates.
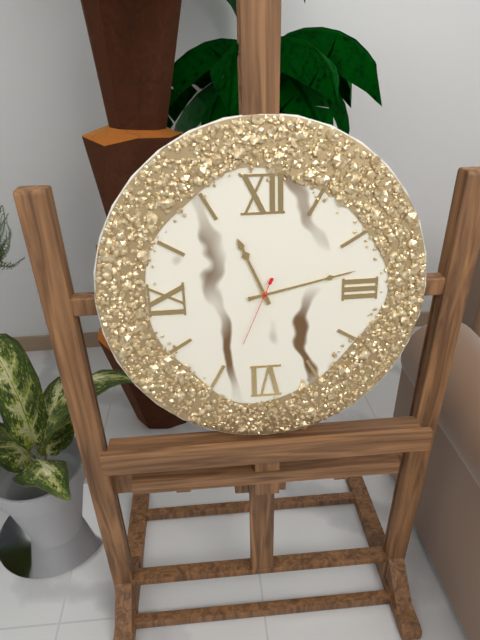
11:13:34
